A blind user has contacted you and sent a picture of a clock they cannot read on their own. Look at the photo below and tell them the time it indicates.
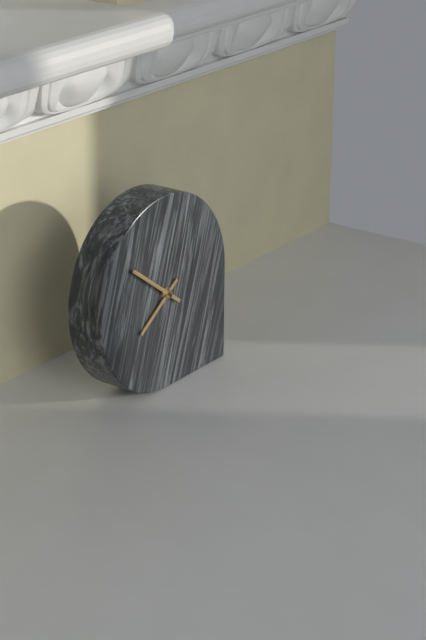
7:51
